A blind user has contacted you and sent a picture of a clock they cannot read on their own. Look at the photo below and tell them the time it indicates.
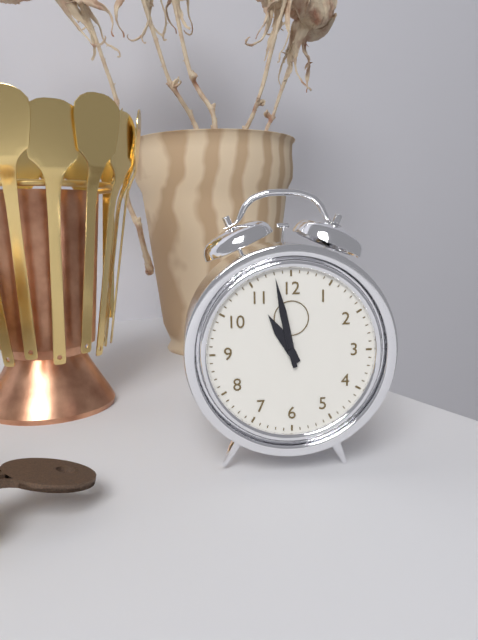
10:58
